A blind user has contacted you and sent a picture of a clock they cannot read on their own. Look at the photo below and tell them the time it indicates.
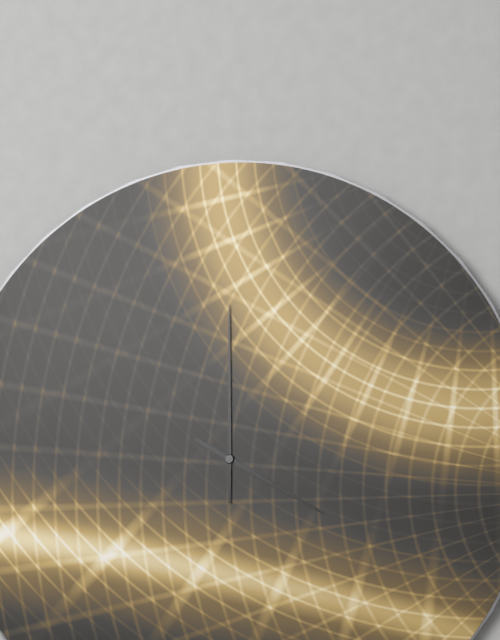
4:00
